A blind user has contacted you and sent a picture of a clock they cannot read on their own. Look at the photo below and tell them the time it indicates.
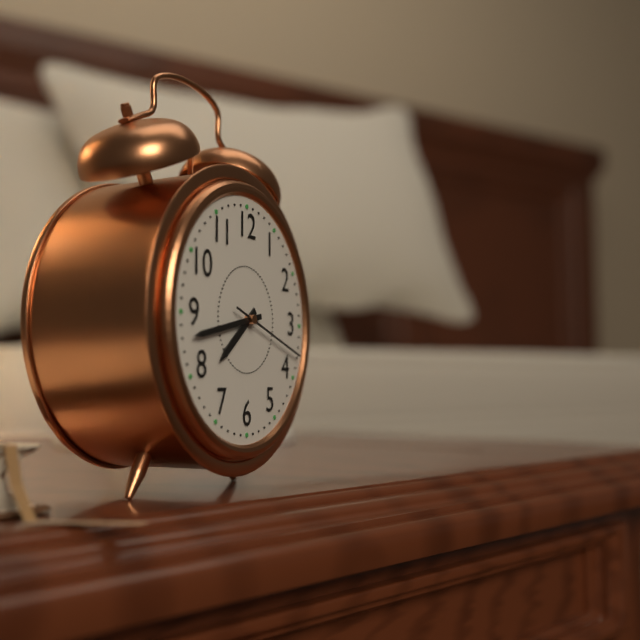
7:43:18
